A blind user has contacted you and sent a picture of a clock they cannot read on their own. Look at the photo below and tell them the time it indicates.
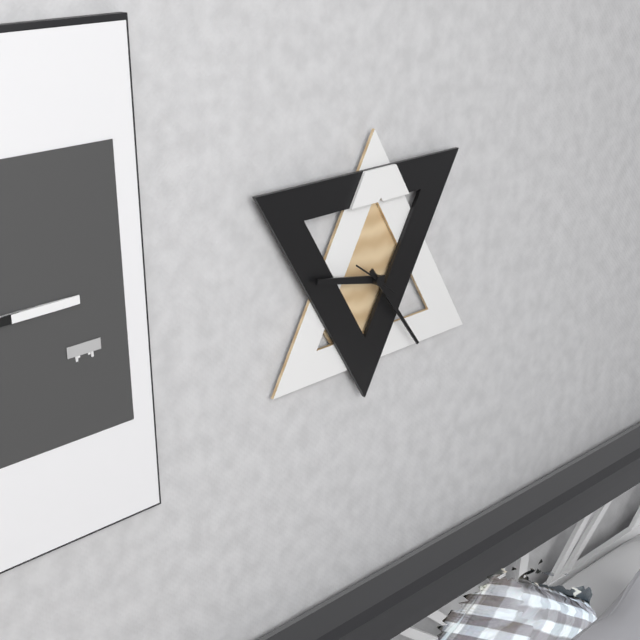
9:24
